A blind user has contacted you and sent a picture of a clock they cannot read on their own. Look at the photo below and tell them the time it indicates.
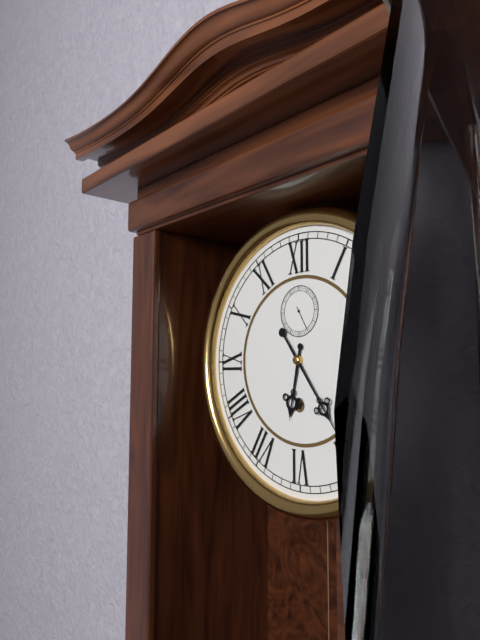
6:24
